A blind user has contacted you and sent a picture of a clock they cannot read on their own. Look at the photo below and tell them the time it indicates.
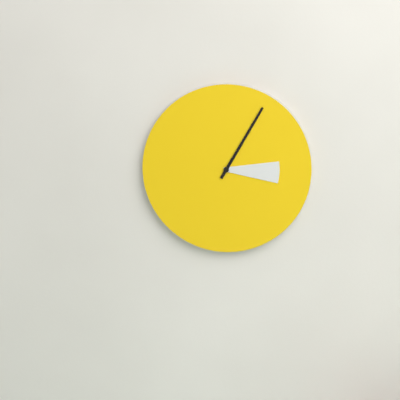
3:05
